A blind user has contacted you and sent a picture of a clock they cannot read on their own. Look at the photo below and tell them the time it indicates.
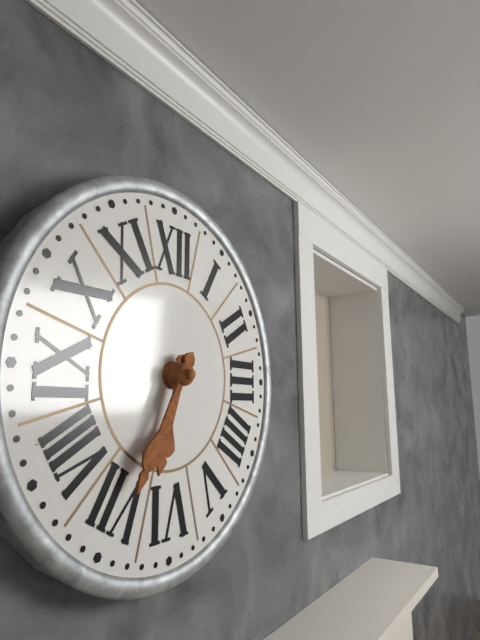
6:35
